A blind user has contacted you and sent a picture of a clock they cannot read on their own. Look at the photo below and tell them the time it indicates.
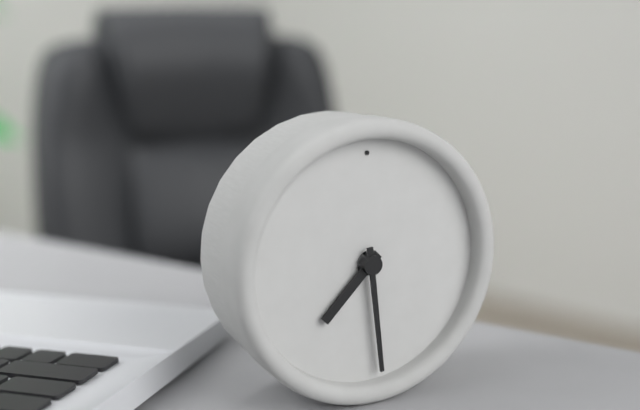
7:29
